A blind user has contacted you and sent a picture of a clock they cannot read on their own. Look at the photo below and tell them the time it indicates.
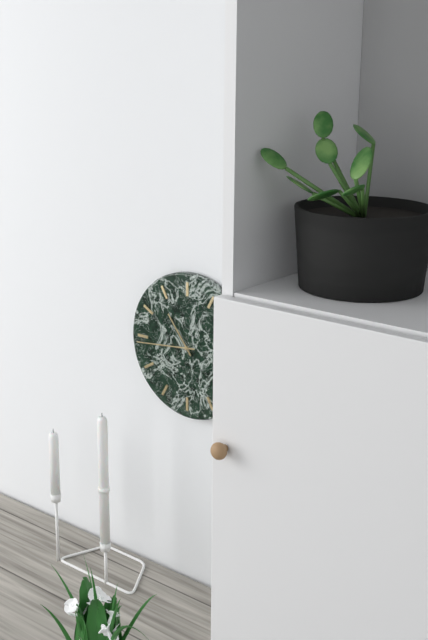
10:44
